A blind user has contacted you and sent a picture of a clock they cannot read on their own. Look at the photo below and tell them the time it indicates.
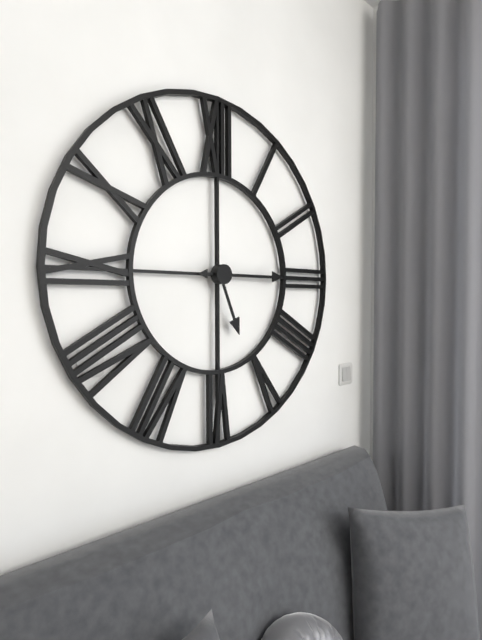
5:15
